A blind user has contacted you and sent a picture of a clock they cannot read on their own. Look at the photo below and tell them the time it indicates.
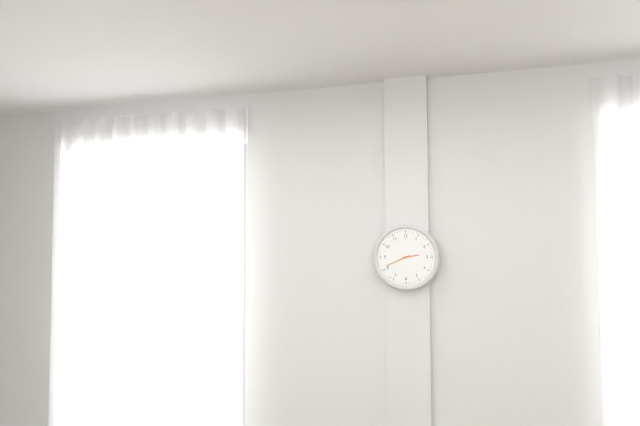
2:41
